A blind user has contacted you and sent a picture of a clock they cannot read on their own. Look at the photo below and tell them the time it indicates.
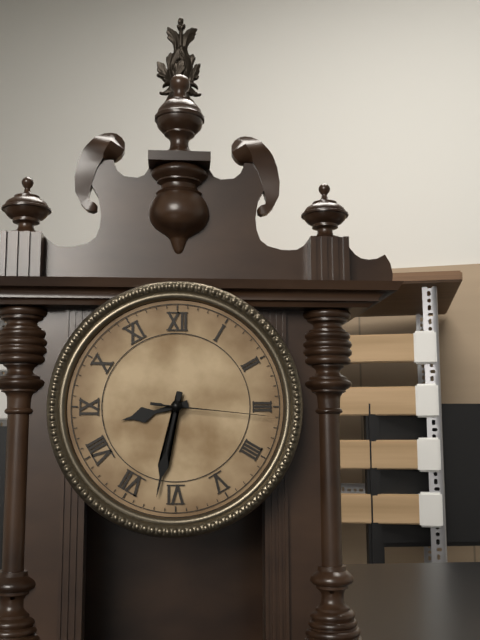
8:32:16
